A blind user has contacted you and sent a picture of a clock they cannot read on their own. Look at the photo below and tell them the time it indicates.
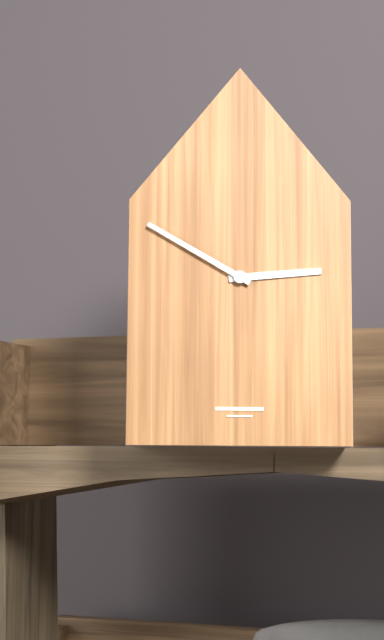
2:50
